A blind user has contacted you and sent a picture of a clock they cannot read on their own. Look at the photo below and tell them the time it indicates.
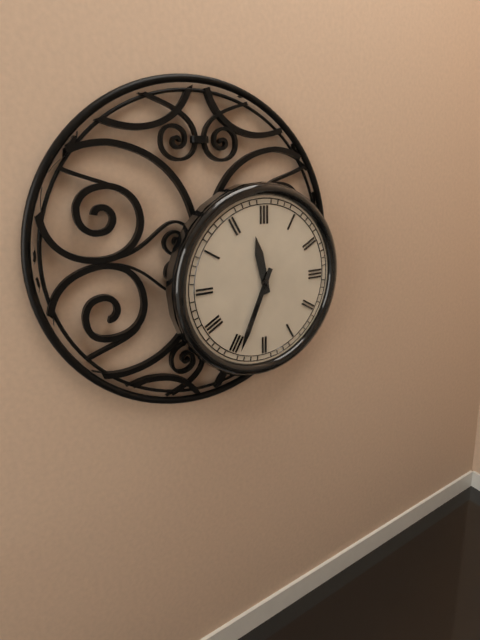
11:34
